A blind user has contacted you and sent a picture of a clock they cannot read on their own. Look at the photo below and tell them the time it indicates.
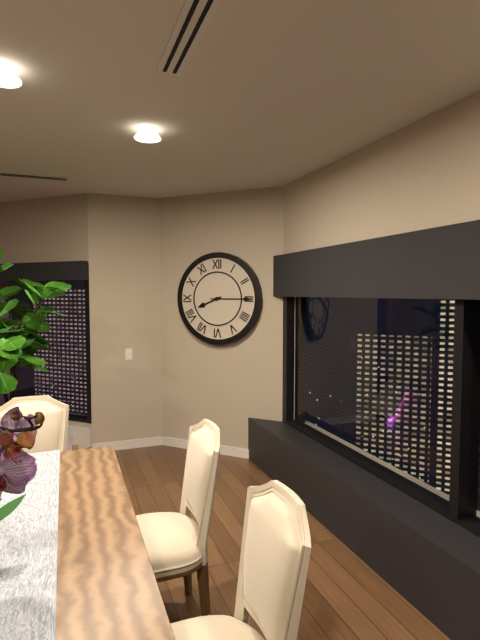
8:15
